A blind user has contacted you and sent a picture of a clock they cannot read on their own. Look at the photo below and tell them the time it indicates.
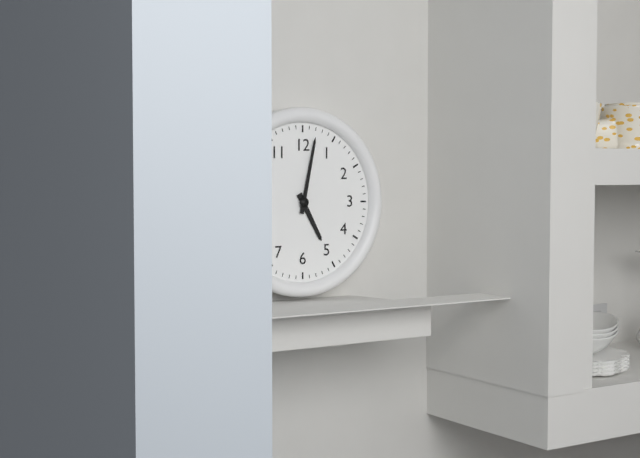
5:02
